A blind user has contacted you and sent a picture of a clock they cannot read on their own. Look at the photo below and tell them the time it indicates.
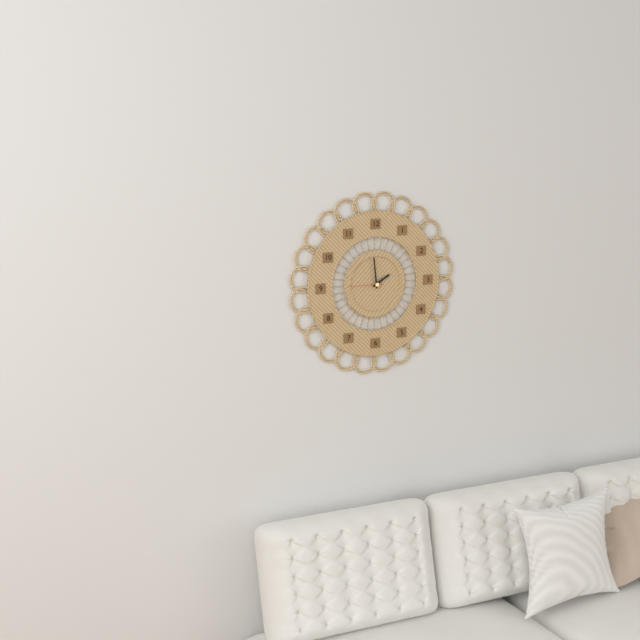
1:59
